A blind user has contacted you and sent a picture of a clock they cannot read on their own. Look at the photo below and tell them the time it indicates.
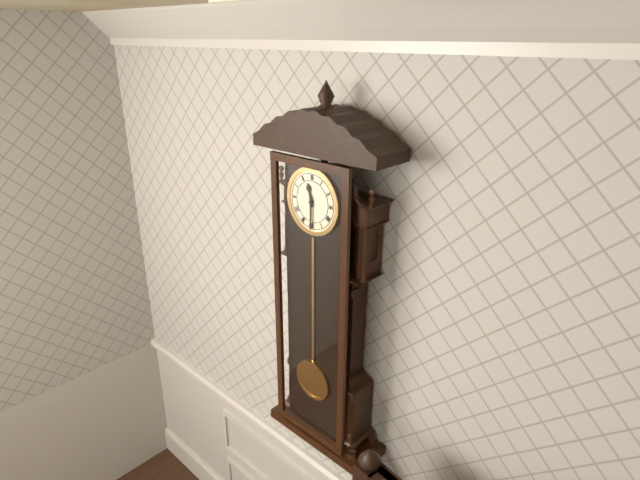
11:30
